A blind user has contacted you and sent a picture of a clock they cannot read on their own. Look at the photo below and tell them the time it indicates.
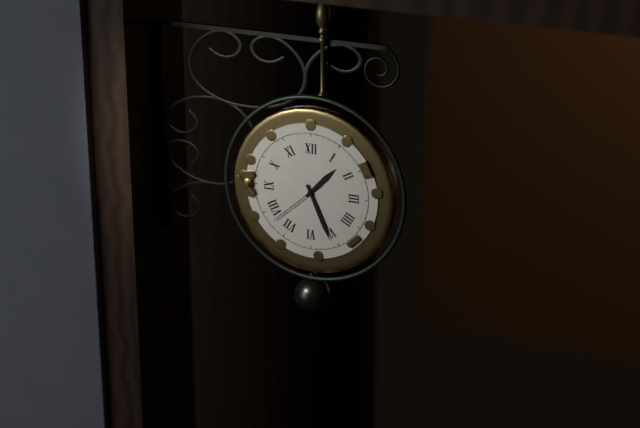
1:26:38
